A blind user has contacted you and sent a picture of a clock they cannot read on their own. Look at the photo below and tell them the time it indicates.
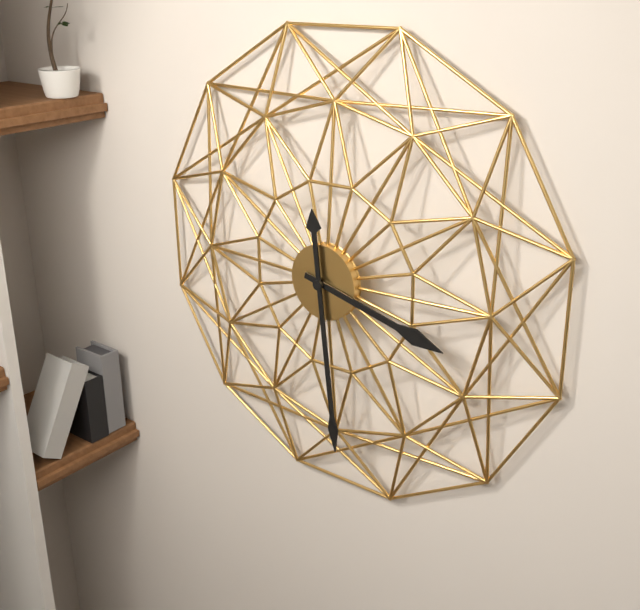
3:29
